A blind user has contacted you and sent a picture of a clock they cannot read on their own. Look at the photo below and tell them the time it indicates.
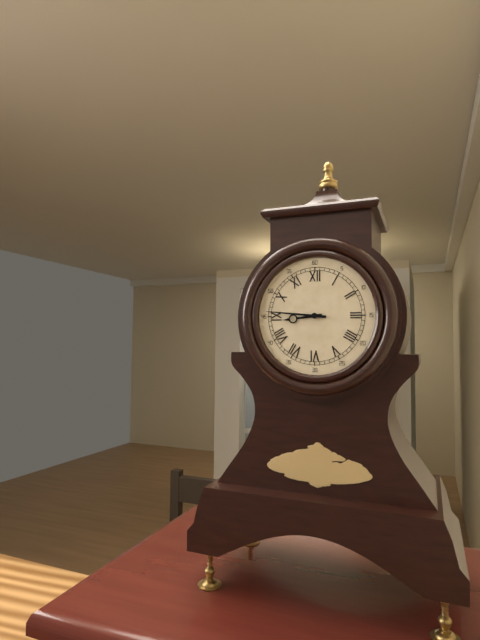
8:46
